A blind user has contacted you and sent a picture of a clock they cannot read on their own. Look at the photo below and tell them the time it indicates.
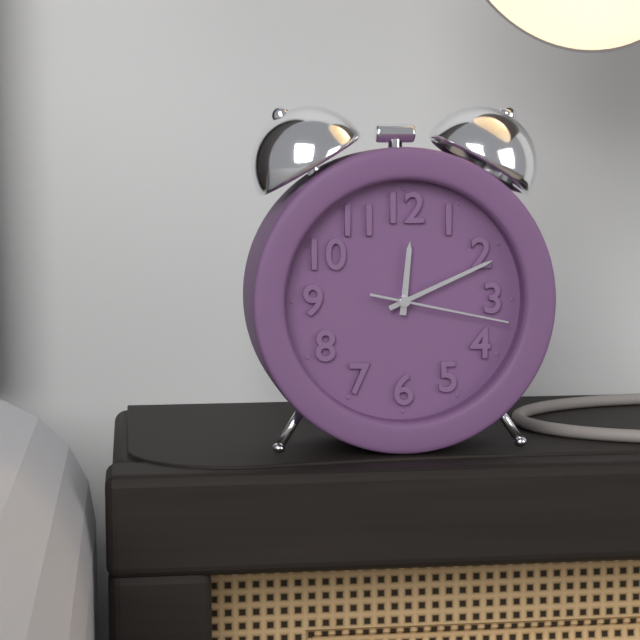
12:11:17
